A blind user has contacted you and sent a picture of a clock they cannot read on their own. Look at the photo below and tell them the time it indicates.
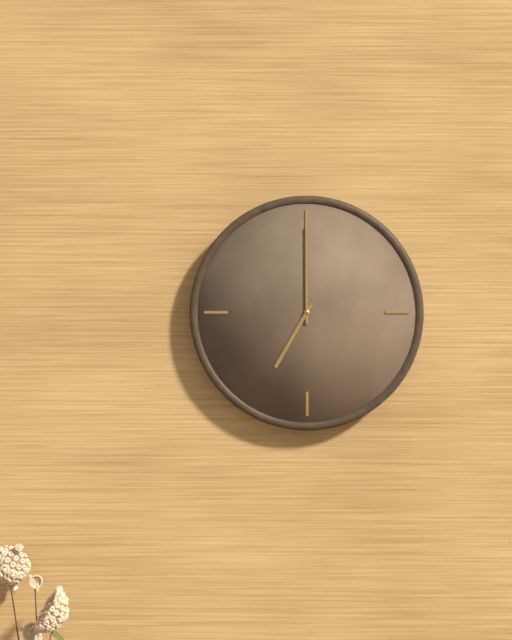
7:00
